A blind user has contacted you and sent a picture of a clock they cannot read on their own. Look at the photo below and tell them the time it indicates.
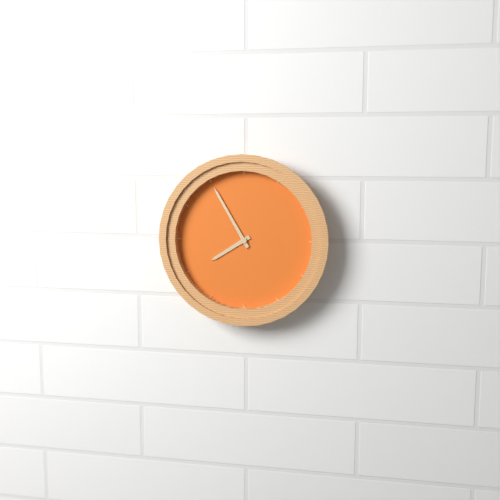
7:55
